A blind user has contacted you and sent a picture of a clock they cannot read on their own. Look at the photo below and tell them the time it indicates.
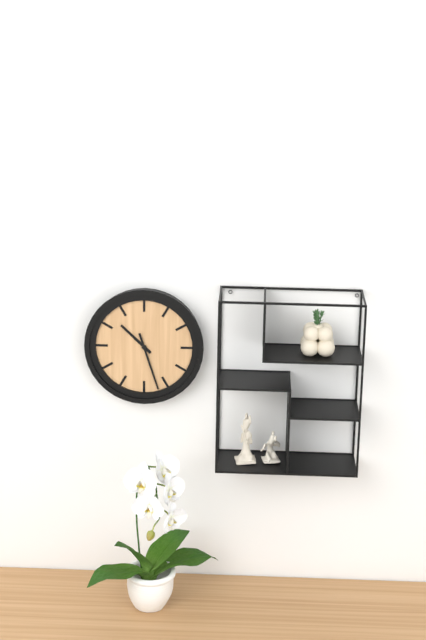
10:27
